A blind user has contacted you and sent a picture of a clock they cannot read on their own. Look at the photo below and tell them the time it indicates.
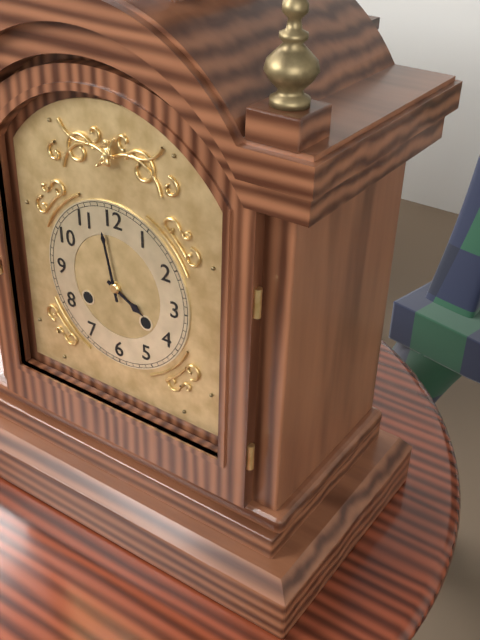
3:58
